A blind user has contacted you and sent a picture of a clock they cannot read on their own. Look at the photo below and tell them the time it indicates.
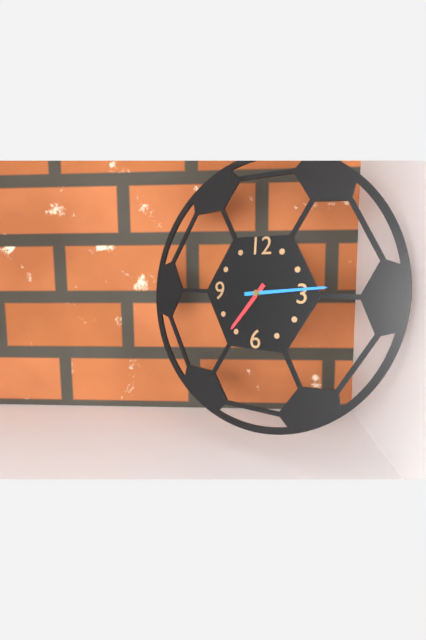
7:14
